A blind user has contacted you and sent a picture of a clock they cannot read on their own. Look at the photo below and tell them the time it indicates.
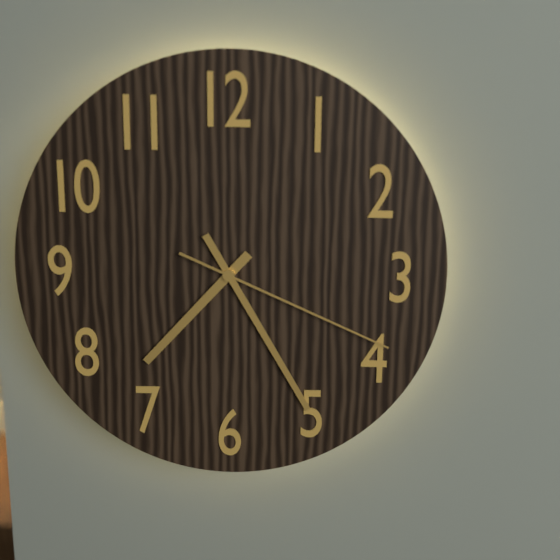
7:25:19
